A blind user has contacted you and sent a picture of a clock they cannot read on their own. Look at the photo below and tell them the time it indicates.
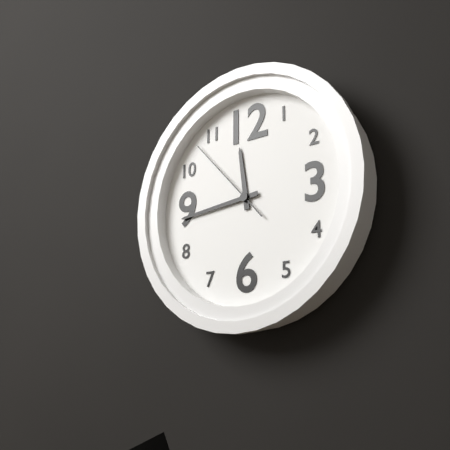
11:44:53
